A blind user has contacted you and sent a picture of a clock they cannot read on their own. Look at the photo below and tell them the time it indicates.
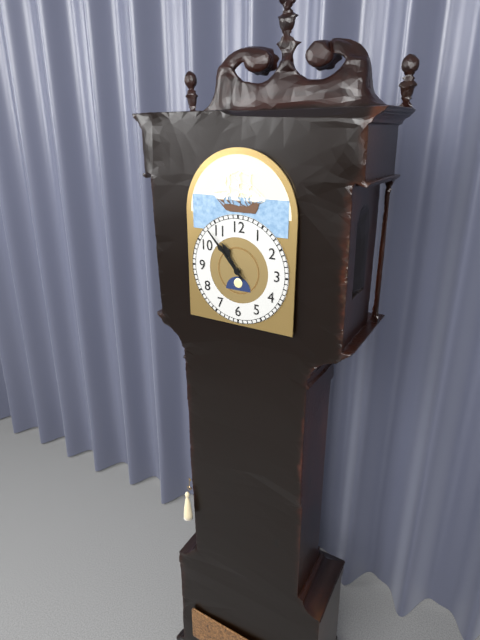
10:53
